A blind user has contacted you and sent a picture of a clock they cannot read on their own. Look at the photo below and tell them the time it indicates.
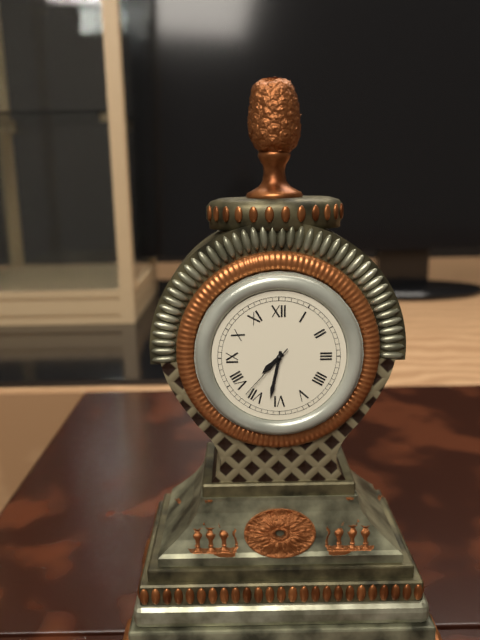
7:32:37
